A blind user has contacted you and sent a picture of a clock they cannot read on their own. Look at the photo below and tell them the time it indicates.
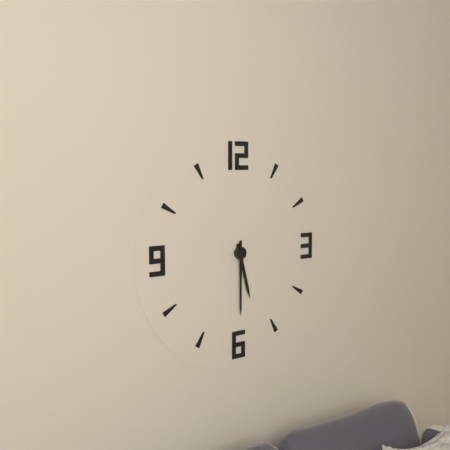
5:30
